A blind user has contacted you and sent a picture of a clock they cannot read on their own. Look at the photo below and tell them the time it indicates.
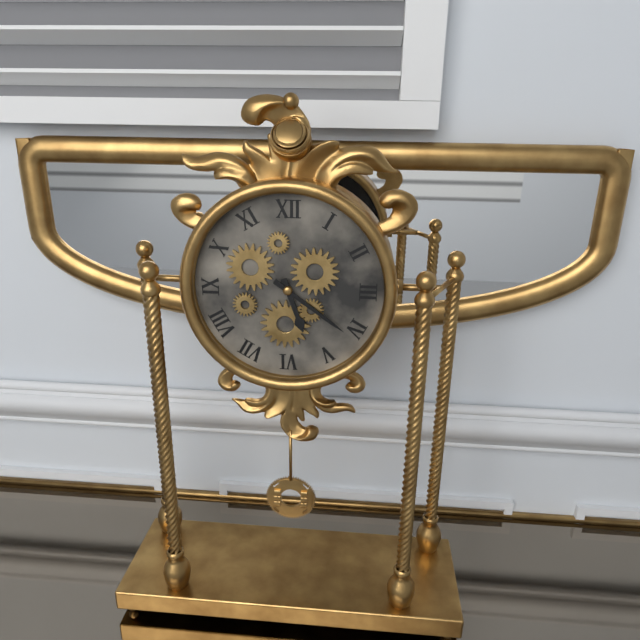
5:21
